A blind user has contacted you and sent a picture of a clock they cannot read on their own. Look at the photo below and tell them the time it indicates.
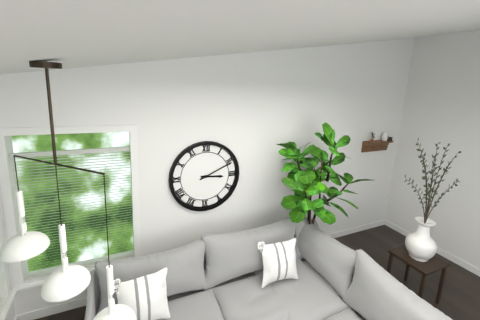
3:11
